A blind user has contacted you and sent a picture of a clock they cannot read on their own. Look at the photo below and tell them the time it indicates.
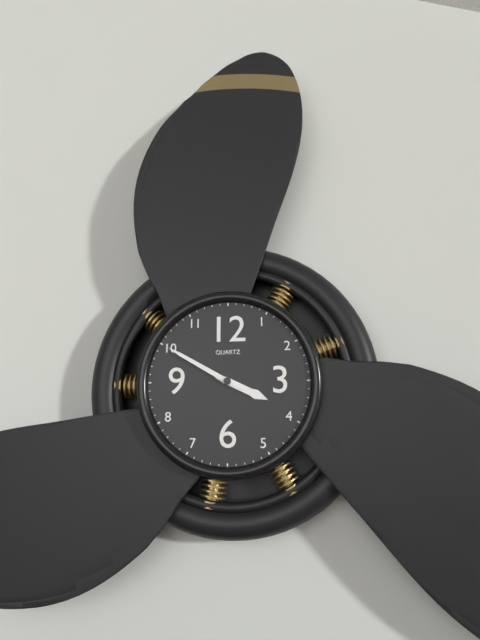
3:50
